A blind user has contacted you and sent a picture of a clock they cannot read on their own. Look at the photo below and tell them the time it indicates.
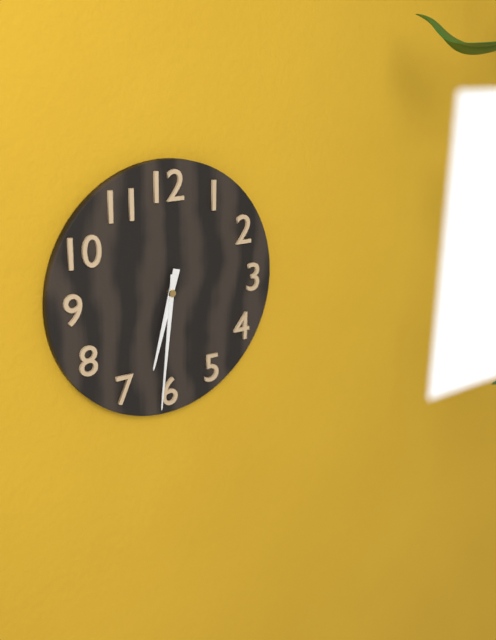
6:31
